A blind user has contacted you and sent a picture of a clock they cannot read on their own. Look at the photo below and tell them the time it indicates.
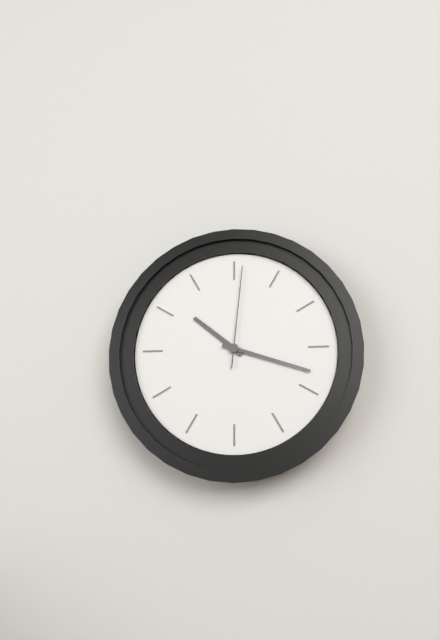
10:18:01
